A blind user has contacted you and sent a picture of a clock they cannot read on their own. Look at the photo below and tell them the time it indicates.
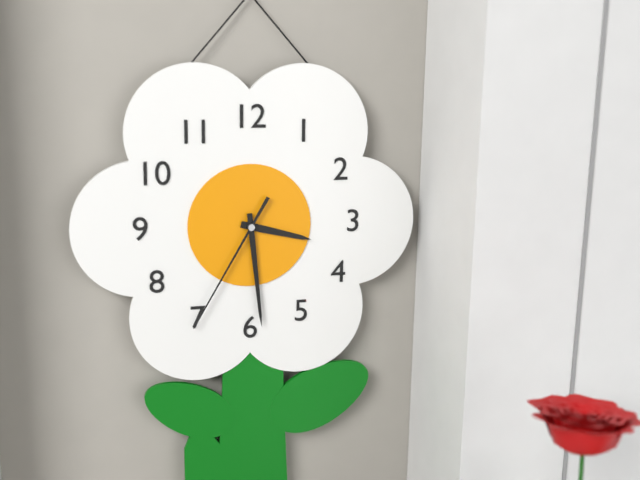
3:29:35
